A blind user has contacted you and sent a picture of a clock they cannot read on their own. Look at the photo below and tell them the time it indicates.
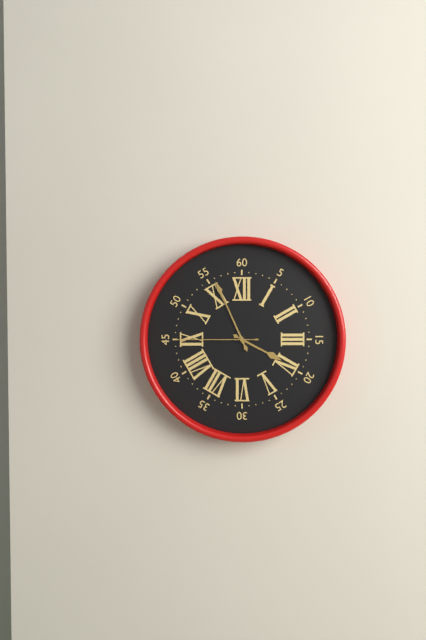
3:56:45
